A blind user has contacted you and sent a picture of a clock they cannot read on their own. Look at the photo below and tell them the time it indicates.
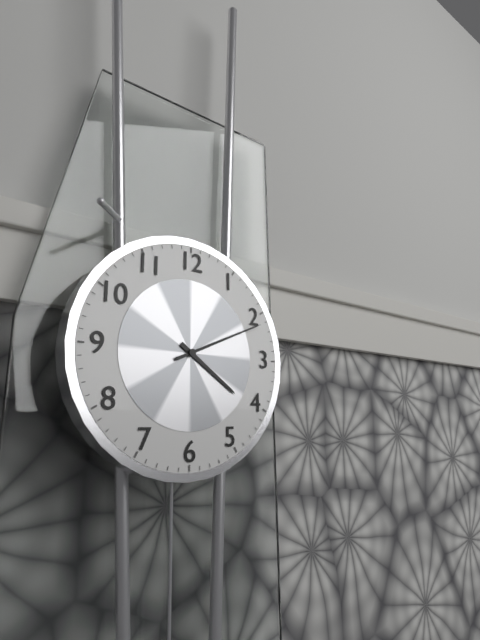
4:11
